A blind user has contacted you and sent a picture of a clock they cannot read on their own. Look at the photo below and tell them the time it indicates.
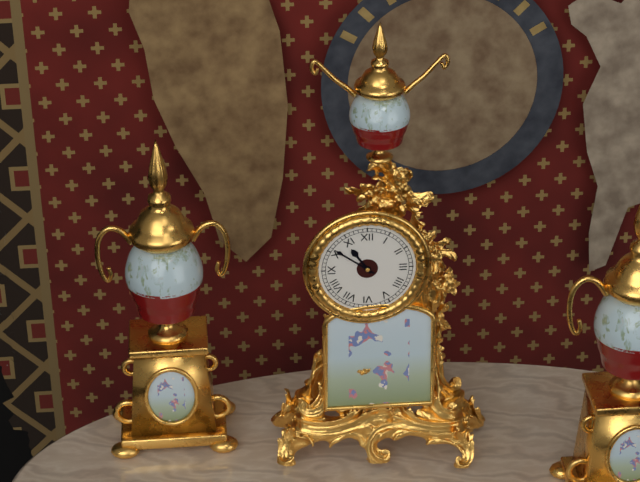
10:51
